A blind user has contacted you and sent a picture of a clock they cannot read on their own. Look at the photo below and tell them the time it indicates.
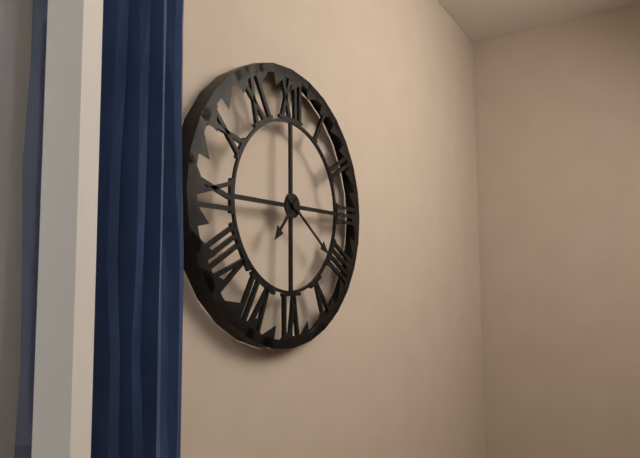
7:21
